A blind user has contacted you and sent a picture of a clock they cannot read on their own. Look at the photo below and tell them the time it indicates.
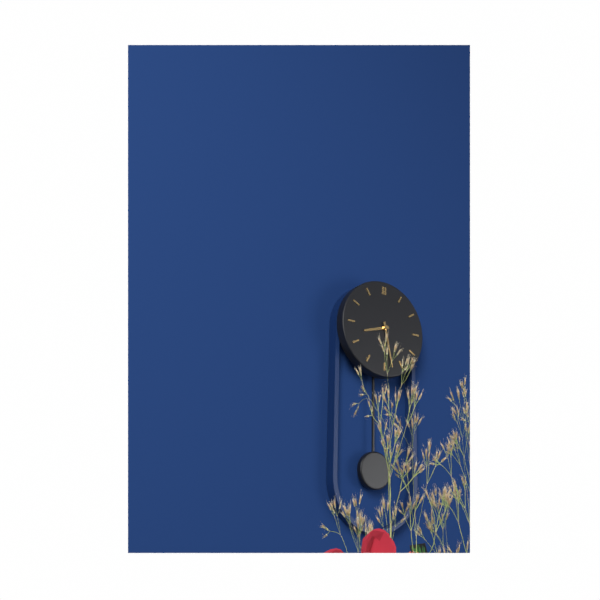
8:28
